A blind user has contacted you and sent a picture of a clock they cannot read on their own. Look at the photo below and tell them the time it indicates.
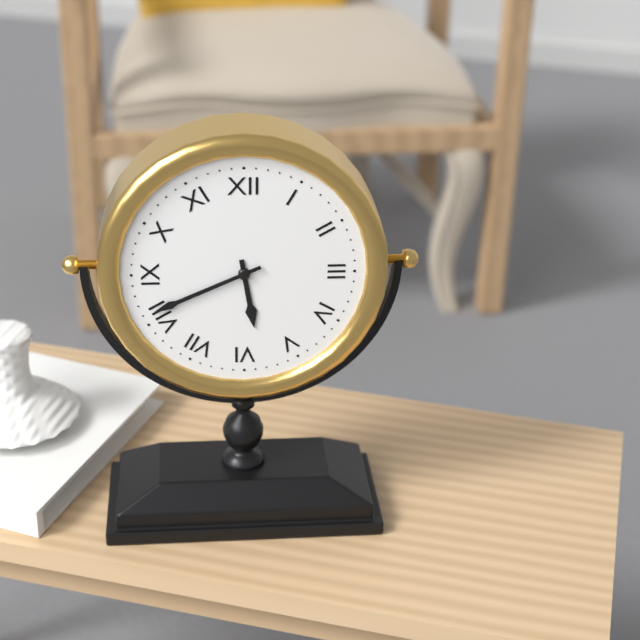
5:41
